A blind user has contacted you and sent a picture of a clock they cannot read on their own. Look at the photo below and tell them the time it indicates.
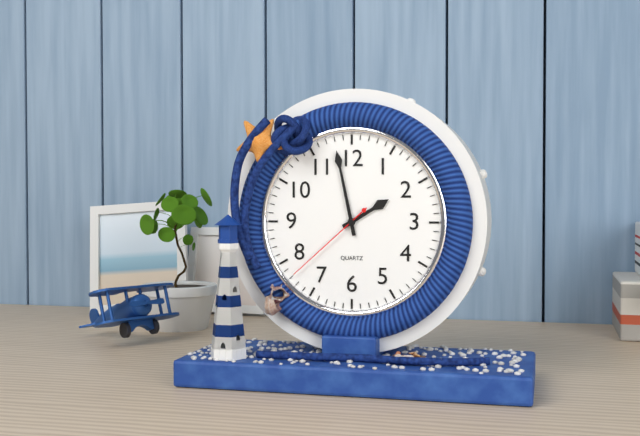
1:58:38
